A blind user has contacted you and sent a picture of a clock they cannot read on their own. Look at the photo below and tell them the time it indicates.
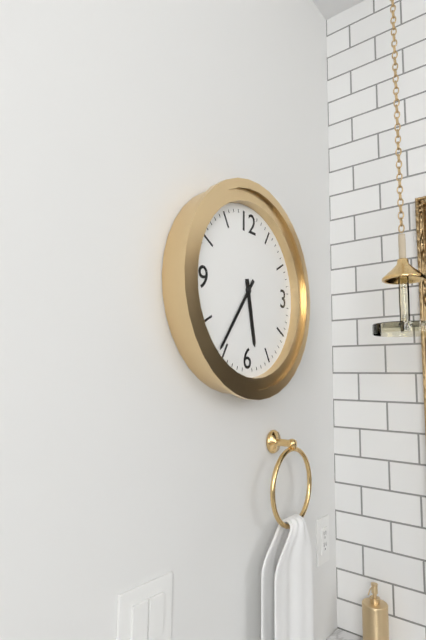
5:36
